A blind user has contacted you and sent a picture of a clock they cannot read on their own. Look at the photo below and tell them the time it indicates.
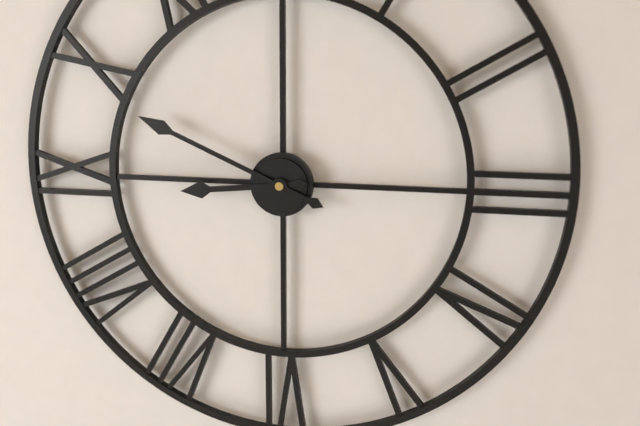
8:49
